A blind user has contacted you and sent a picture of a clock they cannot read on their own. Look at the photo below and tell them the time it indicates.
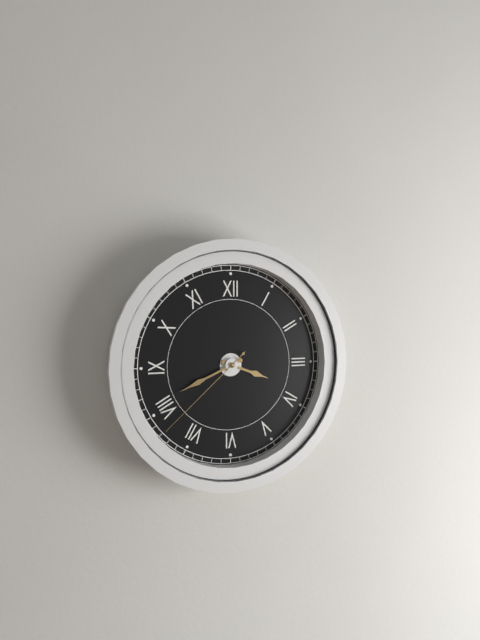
3:41:38
